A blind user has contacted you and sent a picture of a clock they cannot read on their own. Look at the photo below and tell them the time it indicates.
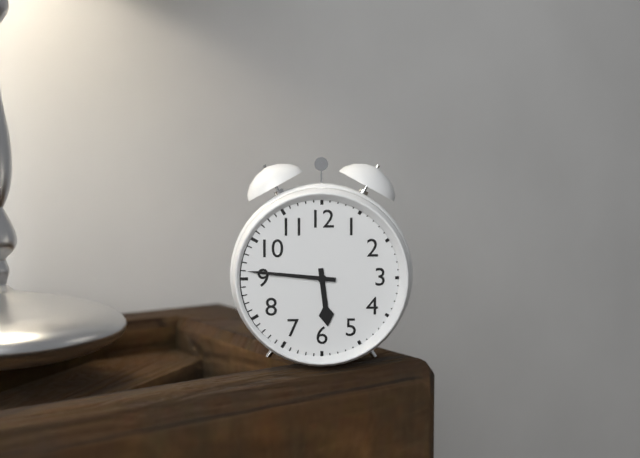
5:46
